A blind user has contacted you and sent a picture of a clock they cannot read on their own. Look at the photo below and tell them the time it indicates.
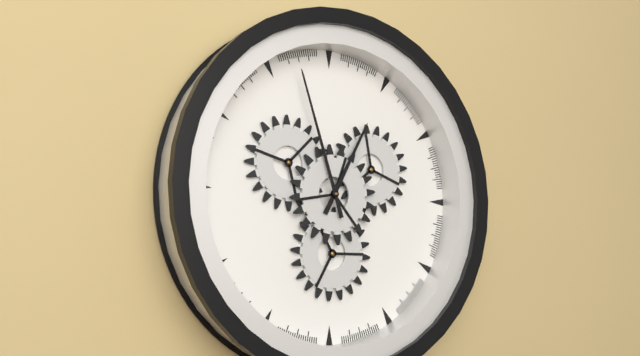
12:57
